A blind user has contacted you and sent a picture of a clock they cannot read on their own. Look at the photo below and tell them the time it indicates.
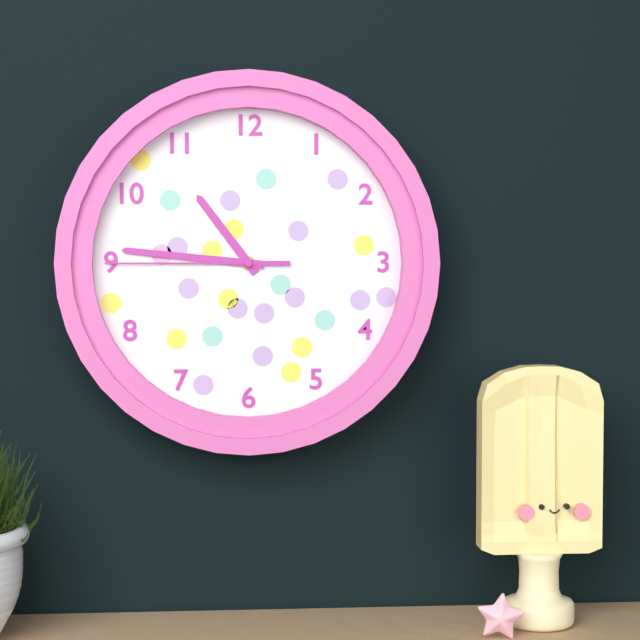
10:46:45
